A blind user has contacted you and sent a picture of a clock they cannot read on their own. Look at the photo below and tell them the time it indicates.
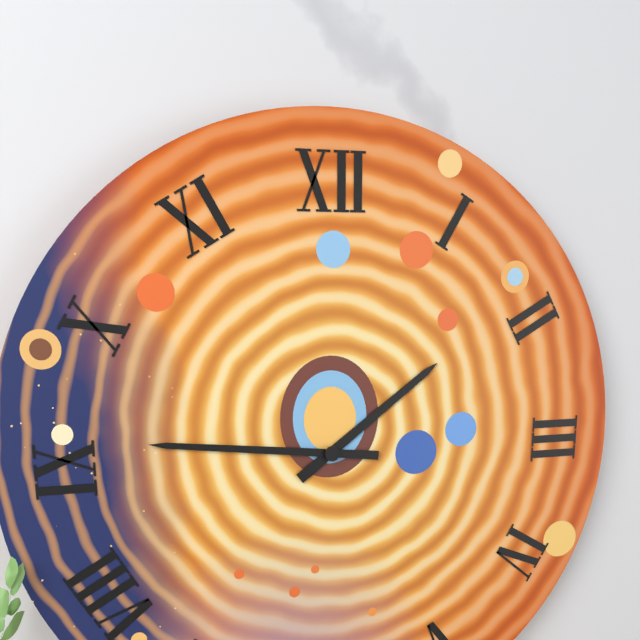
1:46
